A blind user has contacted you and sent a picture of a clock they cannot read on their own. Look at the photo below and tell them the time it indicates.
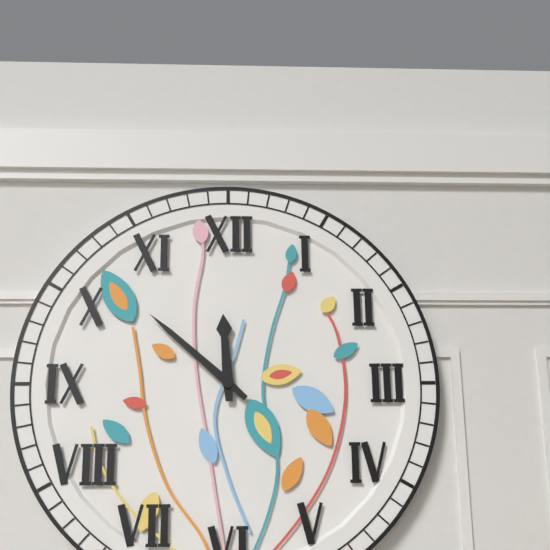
11:52
